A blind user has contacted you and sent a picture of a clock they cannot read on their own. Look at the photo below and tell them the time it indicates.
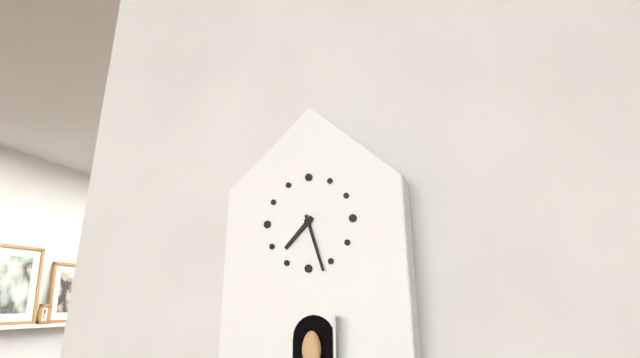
7:27
